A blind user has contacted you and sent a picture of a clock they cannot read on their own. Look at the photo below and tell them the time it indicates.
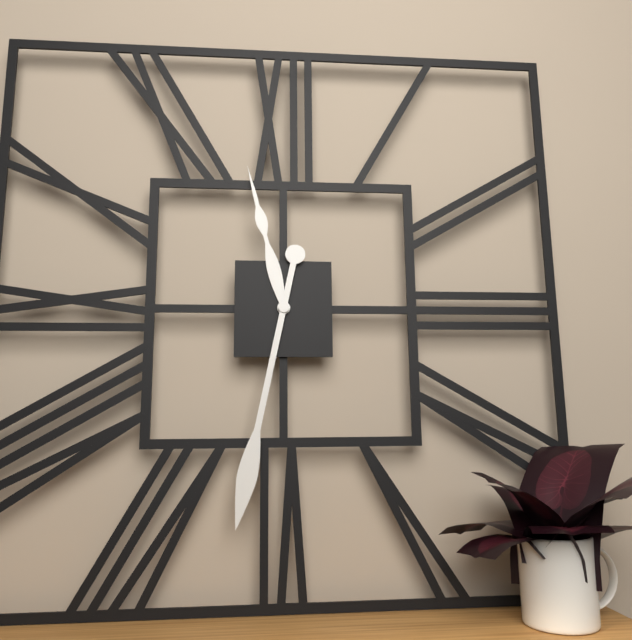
11:32
